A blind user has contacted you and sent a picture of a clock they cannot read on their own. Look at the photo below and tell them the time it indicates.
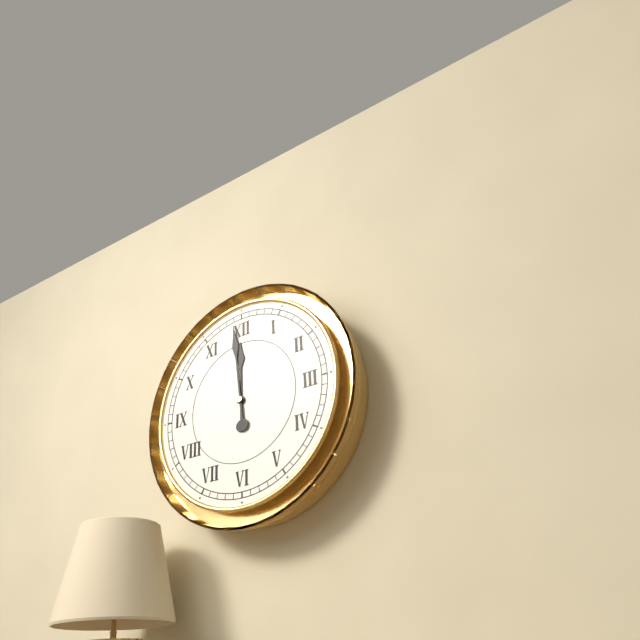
11:59
